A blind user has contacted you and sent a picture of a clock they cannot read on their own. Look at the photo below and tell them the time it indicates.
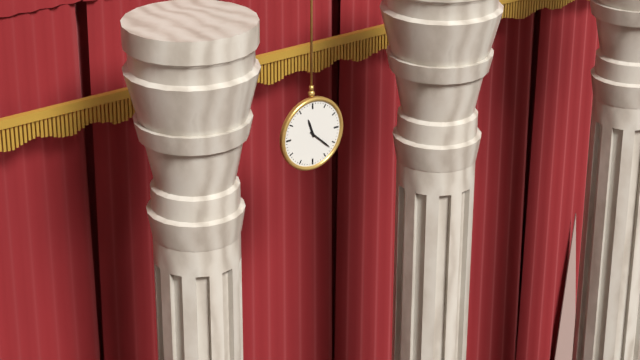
11:22
